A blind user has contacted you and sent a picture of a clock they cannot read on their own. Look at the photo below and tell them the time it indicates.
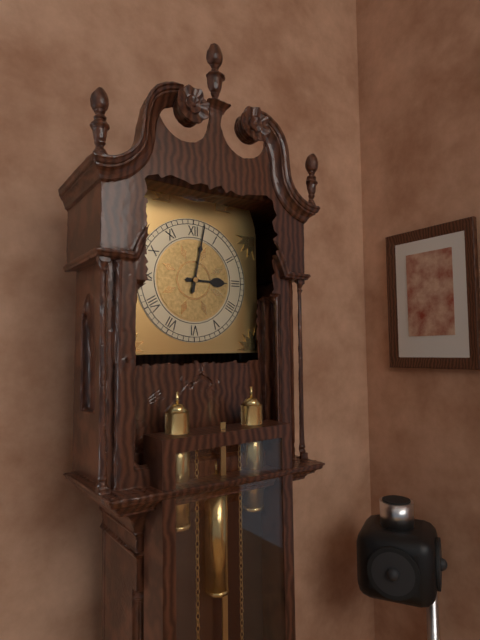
3:02
